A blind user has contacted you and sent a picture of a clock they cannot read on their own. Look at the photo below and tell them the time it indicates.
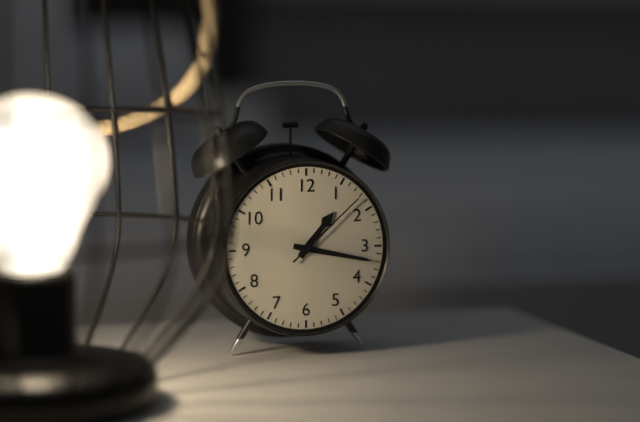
1:17:08
